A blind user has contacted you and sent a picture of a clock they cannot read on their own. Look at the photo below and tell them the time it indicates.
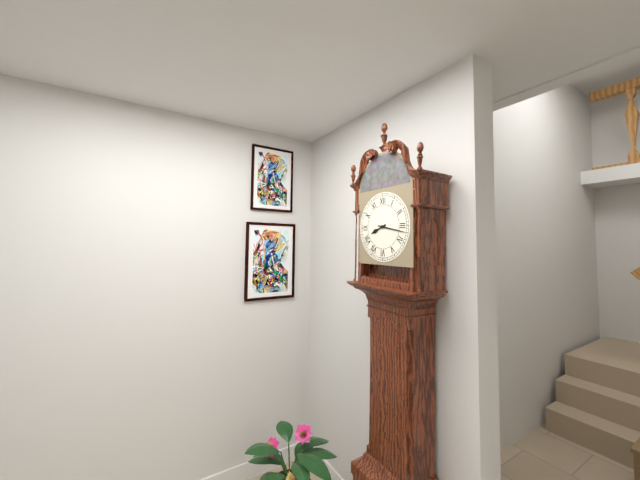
8:17
